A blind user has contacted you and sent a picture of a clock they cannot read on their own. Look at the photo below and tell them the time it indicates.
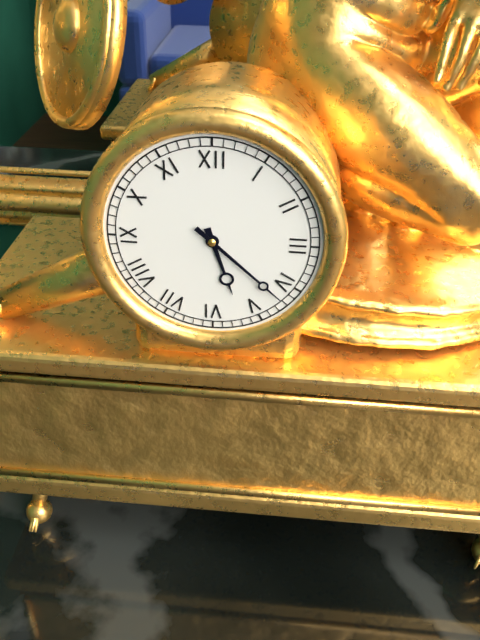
5:22
